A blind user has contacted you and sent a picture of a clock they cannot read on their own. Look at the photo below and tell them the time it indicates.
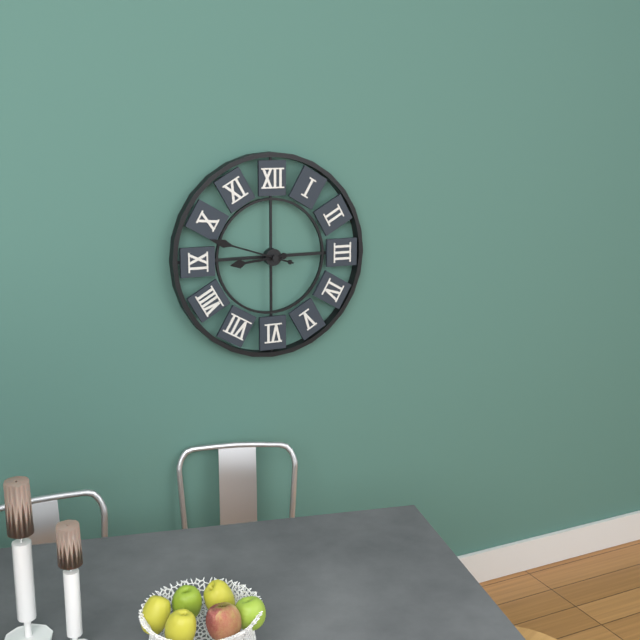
8:48
